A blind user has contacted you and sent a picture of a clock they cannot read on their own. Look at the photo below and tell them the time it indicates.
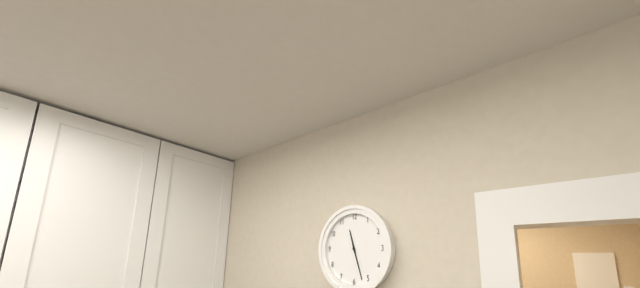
11:27
